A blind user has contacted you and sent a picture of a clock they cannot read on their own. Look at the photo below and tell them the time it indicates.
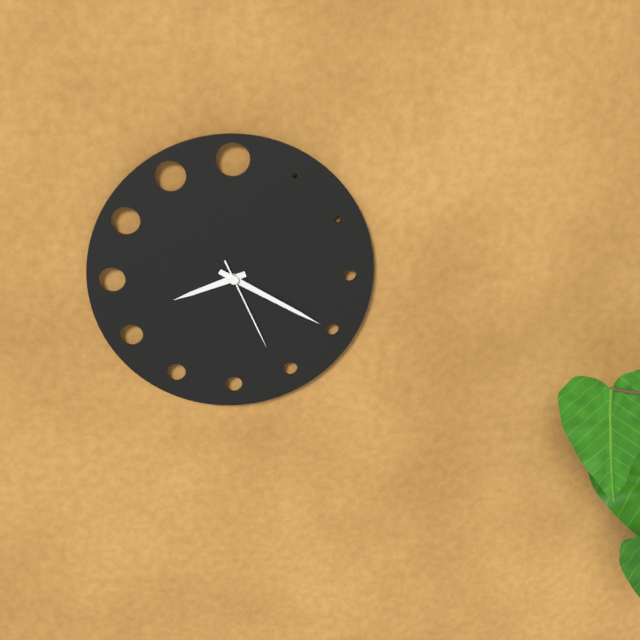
8:20:26
